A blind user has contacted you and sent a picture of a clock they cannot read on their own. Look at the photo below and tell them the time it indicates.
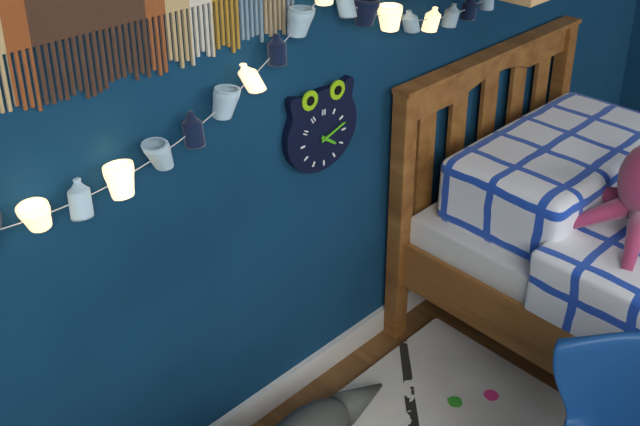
4:12
